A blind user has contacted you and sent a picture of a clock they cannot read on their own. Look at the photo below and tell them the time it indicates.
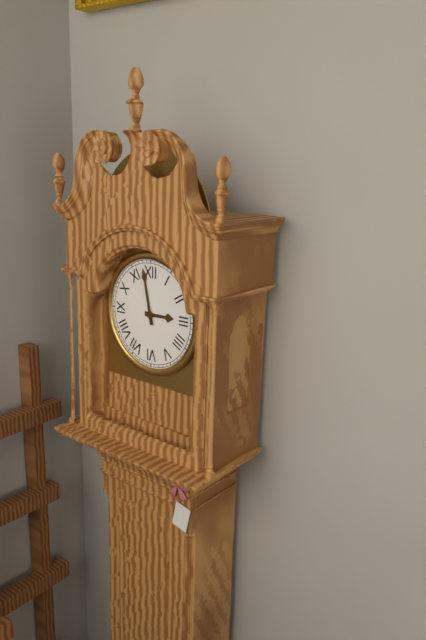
2:58
